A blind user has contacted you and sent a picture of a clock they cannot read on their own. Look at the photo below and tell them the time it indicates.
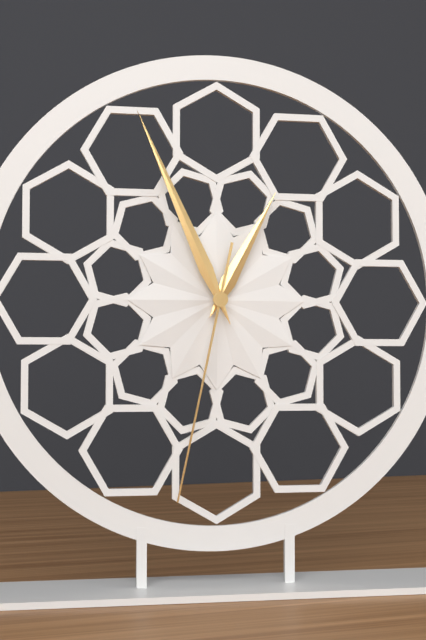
12:56:32
